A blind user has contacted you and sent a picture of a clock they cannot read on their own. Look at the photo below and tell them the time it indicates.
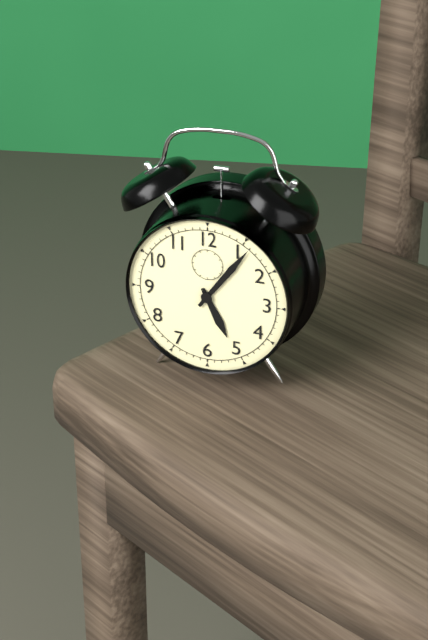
5:06
